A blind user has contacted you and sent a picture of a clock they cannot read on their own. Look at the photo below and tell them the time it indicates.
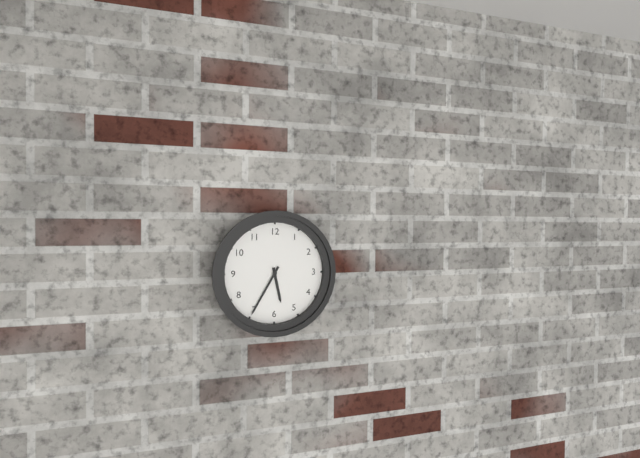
5:35
